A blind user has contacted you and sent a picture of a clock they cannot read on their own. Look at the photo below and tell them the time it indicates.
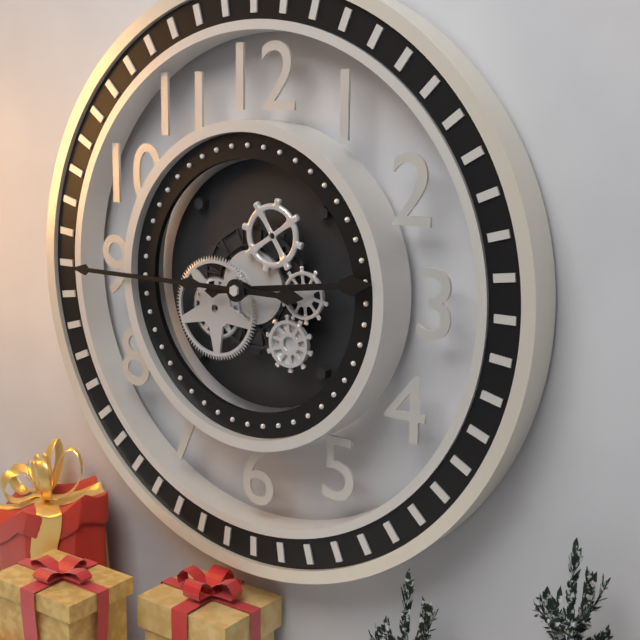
2:45
